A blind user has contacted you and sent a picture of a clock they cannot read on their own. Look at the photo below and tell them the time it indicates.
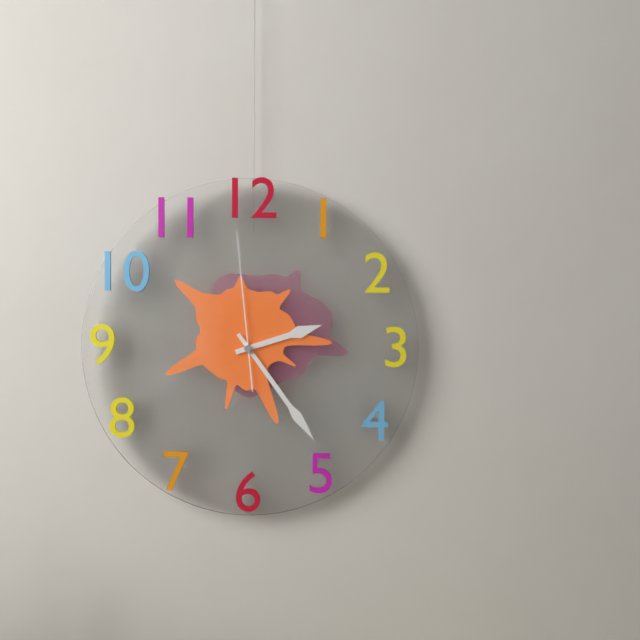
2:24:59
